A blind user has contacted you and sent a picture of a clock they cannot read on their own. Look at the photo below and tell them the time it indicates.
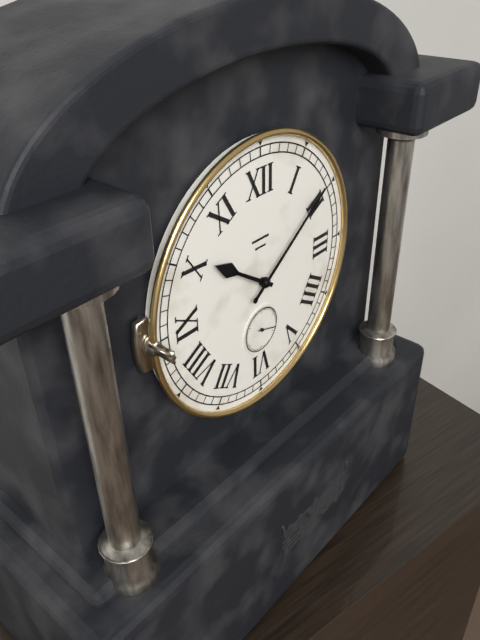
10:09
